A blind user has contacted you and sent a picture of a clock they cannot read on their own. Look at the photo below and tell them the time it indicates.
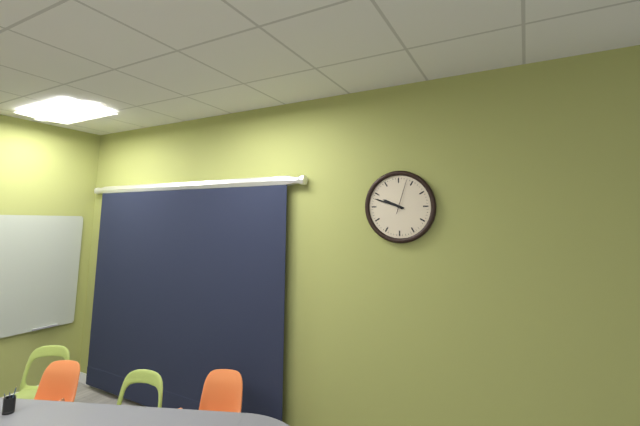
9:48
